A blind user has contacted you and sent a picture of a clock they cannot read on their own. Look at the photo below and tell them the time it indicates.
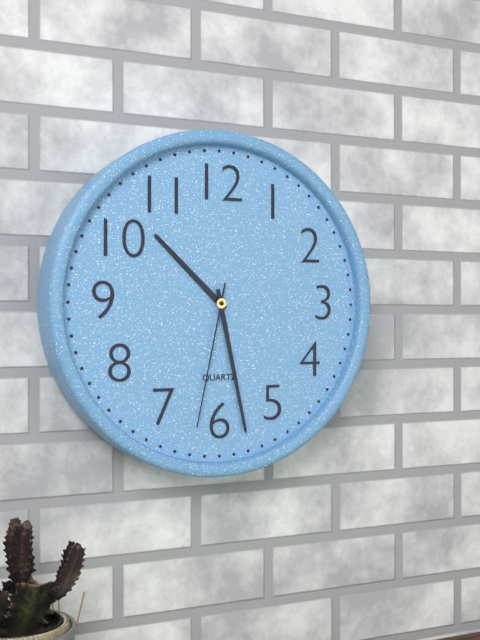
10:28:32
